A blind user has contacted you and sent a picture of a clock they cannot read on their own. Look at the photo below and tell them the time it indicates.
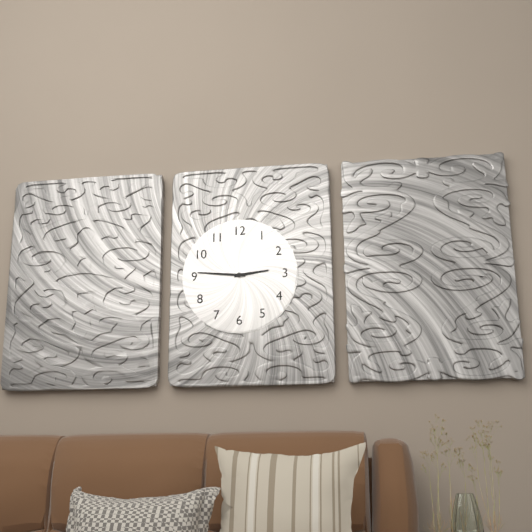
2:46
